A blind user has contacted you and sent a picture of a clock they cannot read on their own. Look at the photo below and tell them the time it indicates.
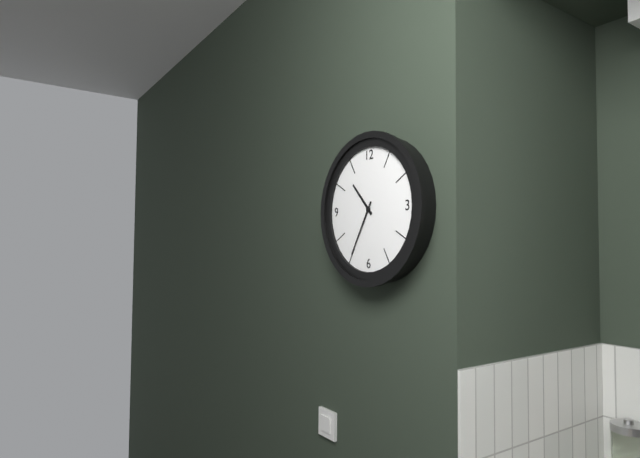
10:35
